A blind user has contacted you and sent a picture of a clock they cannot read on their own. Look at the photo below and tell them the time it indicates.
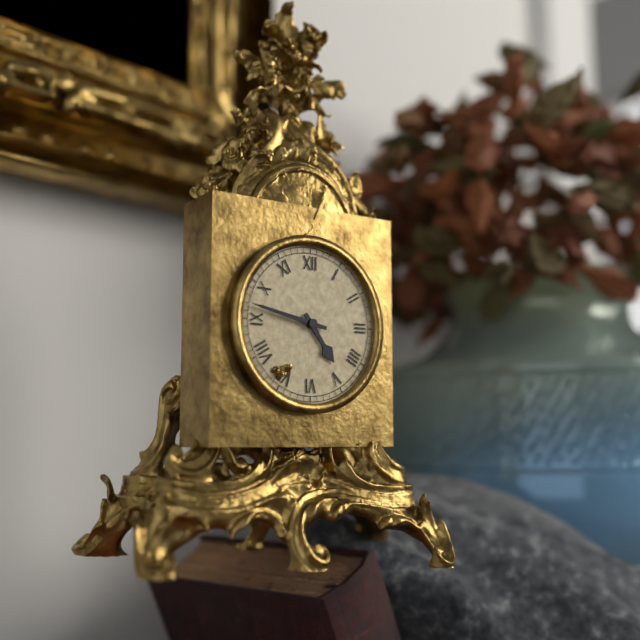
4:47
